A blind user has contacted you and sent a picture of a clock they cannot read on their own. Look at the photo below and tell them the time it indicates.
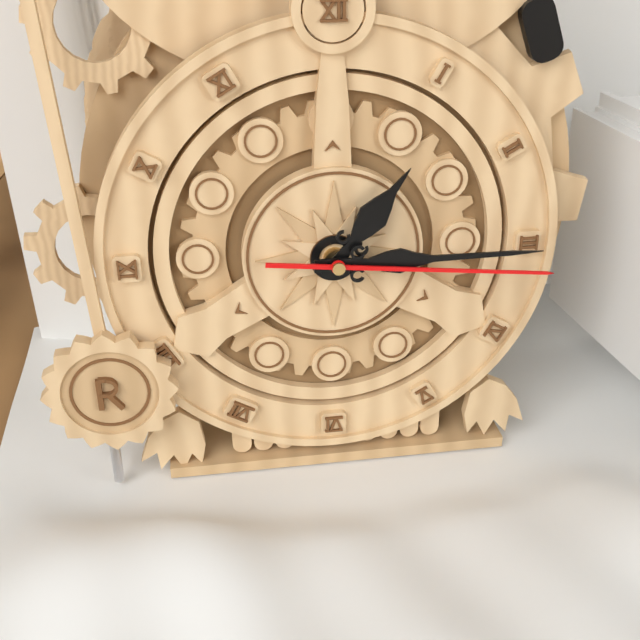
1:15:16
